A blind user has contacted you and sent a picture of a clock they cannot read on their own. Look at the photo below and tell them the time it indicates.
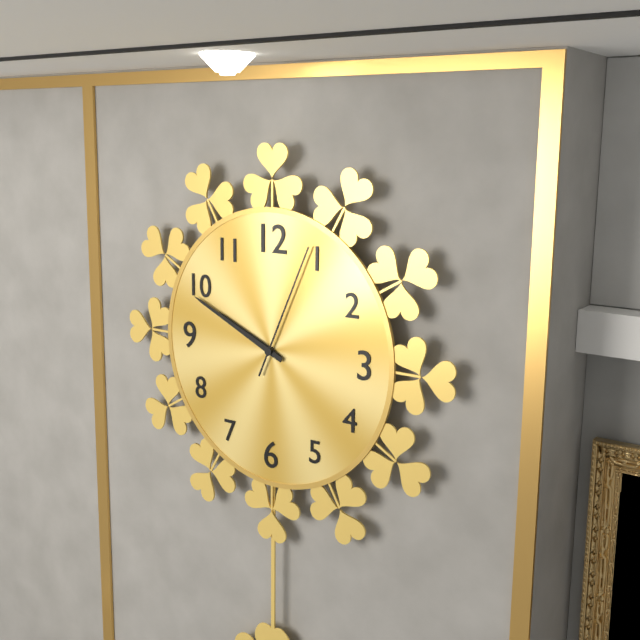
9:49:04
